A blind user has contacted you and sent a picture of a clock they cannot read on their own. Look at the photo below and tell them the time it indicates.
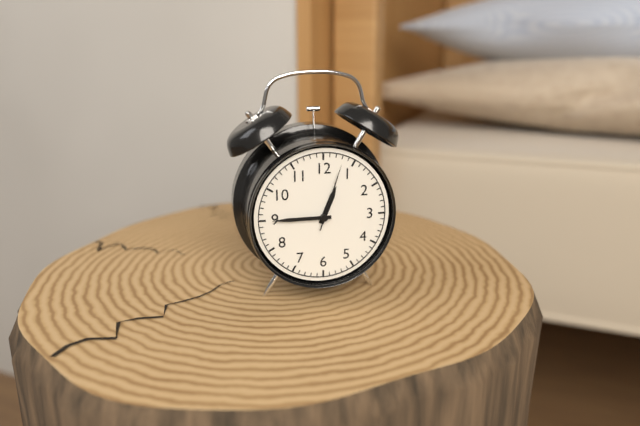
12:45:03
